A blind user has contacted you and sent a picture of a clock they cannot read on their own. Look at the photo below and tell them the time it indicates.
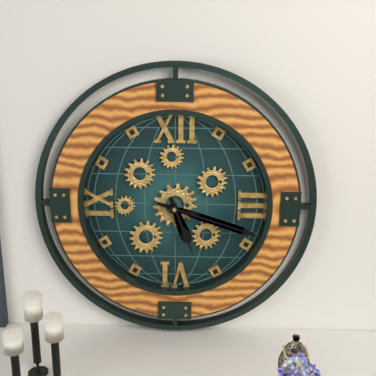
5:18
